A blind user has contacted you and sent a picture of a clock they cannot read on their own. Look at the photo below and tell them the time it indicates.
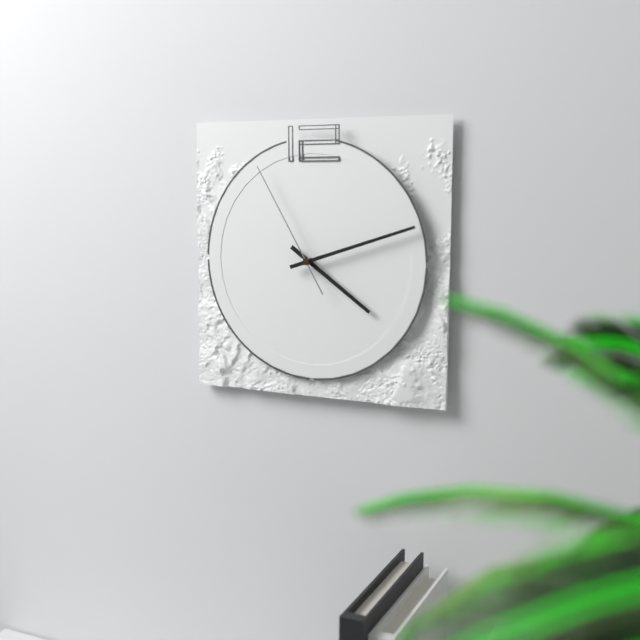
4:12:55
